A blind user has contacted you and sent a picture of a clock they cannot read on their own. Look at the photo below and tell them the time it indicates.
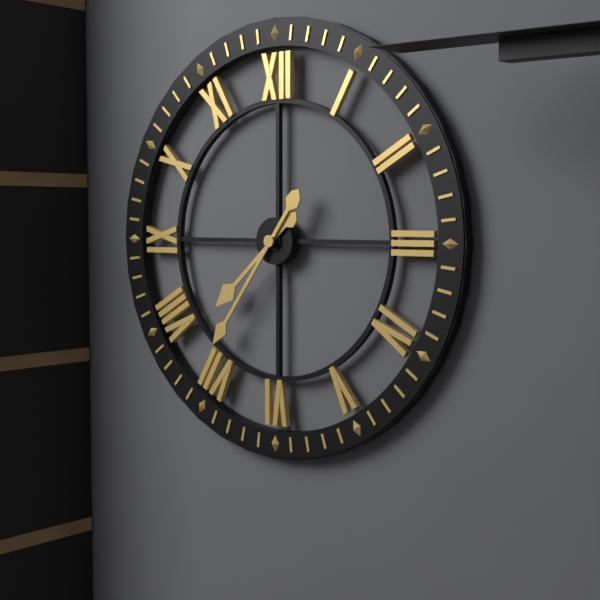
7:36
